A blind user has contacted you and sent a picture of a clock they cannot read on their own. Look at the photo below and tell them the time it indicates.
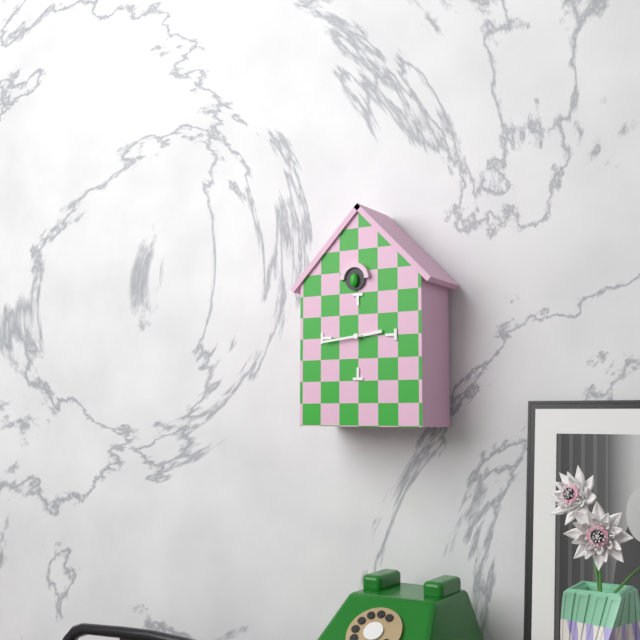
2:44
